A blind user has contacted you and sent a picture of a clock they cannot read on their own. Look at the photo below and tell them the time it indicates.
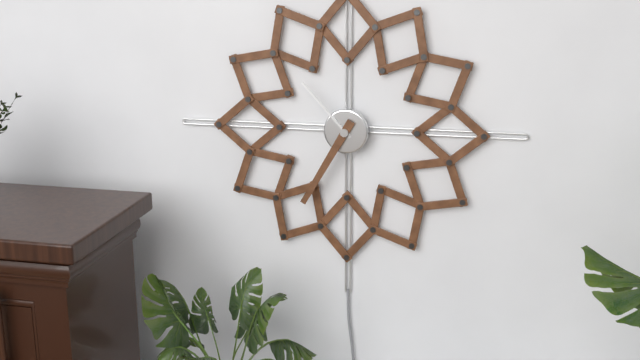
10:35
